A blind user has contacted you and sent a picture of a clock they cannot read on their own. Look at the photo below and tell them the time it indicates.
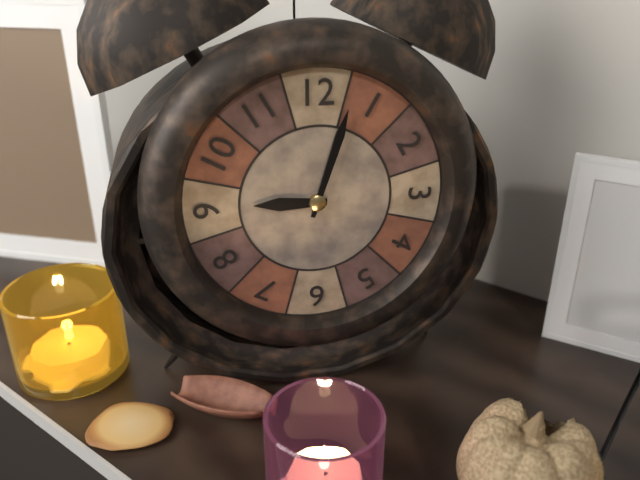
9:03
